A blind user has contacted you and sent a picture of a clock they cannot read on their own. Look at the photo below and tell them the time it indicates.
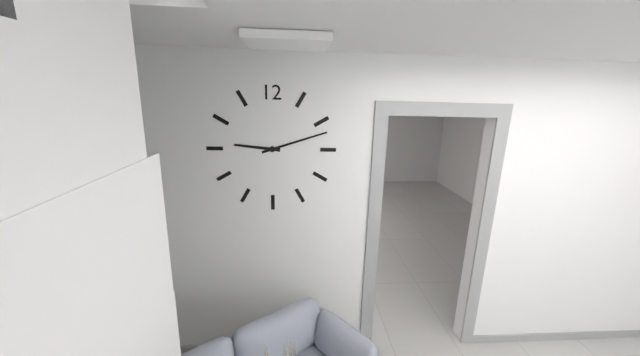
9:12
